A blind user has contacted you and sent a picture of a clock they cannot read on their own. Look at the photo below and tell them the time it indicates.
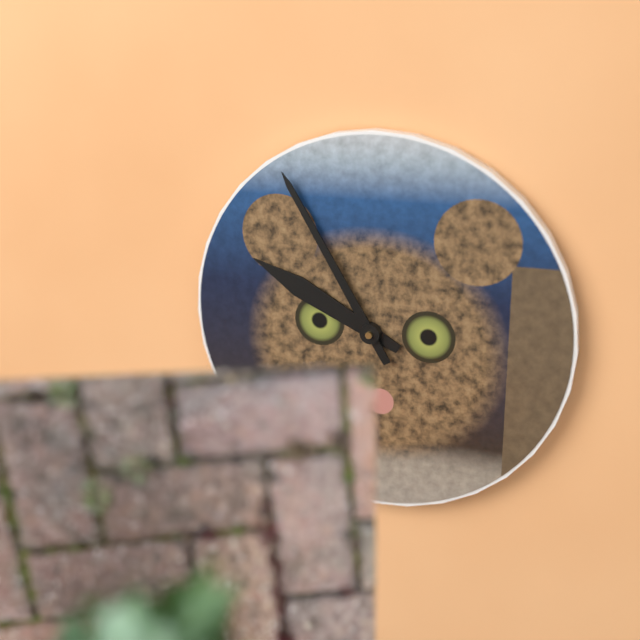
9:55
